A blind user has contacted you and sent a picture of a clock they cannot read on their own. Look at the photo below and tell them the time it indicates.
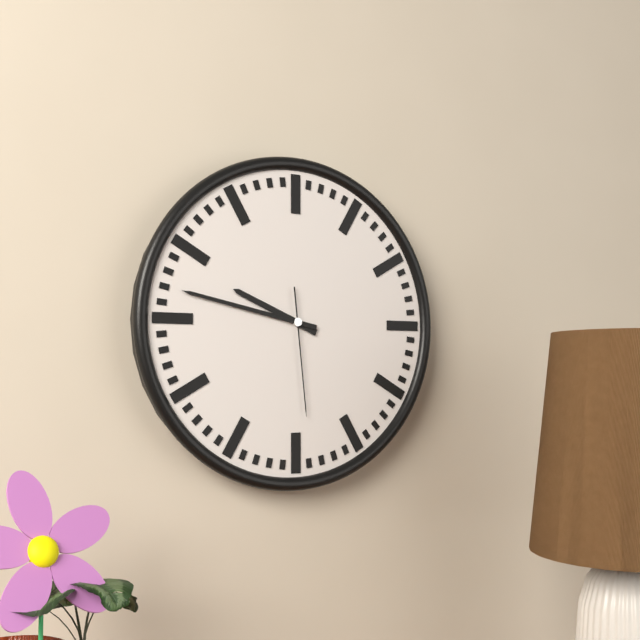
9:47:29
